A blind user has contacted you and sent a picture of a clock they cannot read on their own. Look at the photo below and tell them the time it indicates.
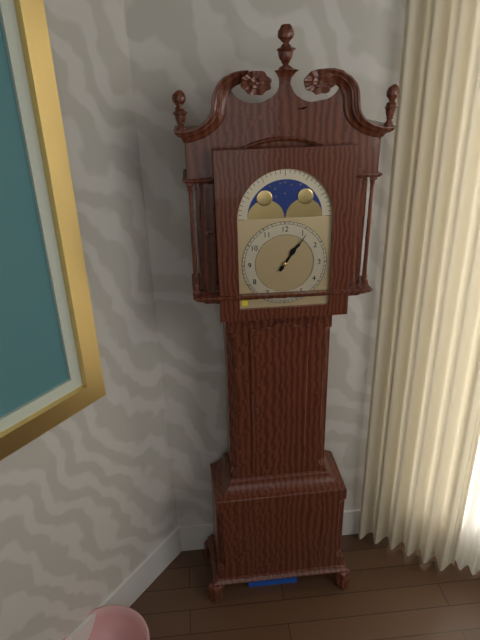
1:06
